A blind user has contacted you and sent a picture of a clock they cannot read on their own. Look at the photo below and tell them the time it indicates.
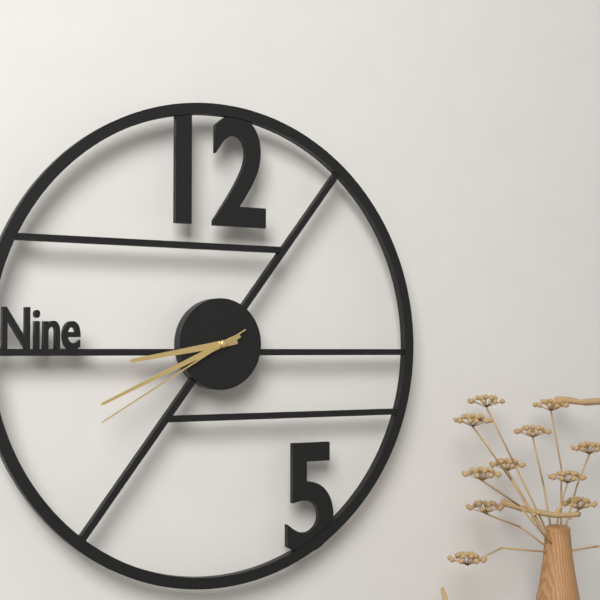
8:41:40
